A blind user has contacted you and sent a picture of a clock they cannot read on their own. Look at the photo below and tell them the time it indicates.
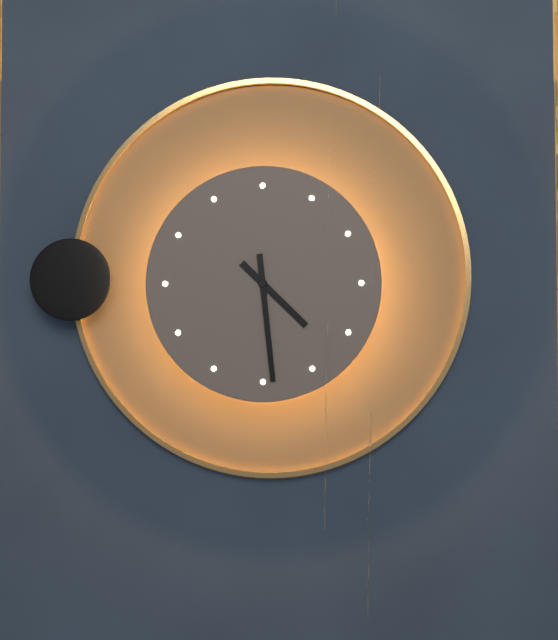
4:29
